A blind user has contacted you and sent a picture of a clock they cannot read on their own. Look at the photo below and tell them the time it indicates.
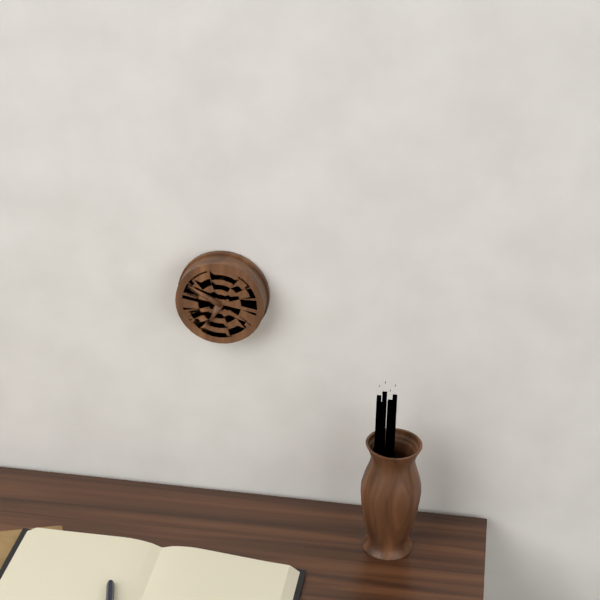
6:50
